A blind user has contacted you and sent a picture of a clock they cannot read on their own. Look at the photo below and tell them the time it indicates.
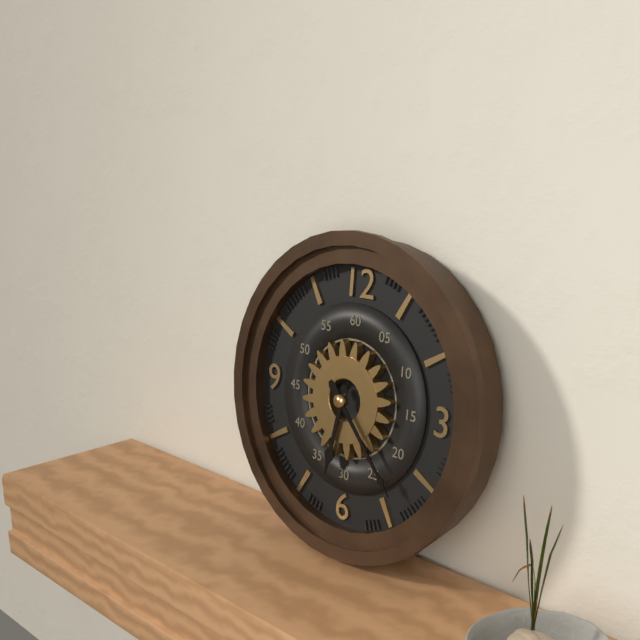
6:23
